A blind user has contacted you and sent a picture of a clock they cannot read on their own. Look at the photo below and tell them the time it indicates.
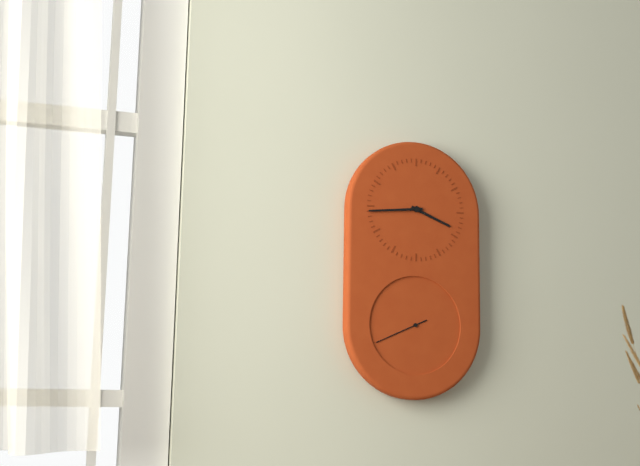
3:44
